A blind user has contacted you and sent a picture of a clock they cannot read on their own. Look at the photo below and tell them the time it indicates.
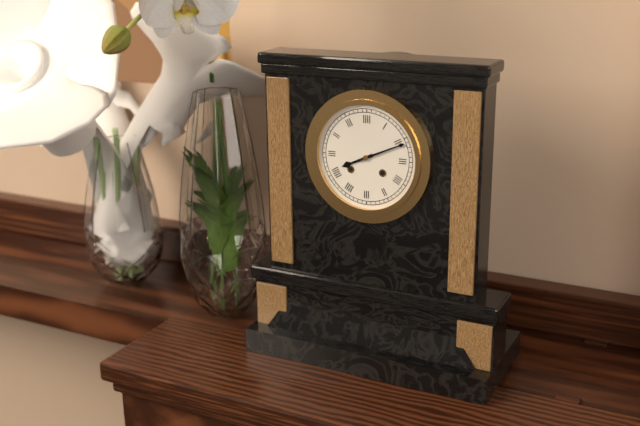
8:11
